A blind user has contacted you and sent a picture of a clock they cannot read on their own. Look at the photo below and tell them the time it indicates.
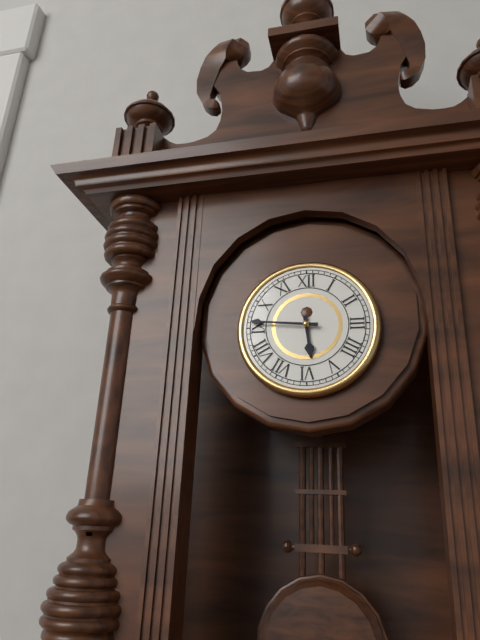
5:46
